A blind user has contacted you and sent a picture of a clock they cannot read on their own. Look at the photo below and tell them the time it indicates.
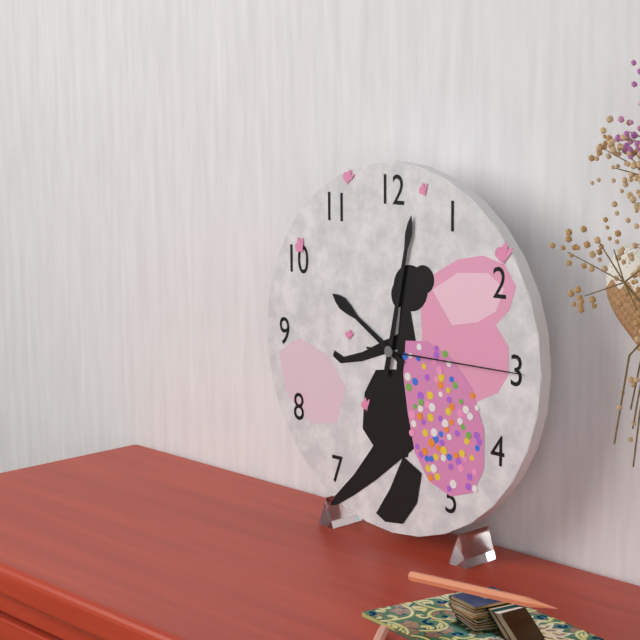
10:02:15
